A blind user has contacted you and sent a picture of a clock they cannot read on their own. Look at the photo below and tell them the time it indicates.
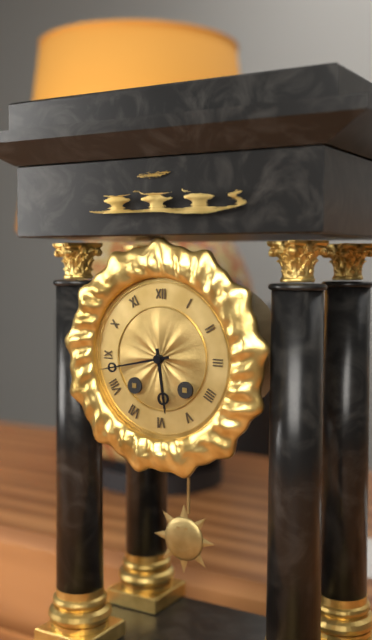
5:43
